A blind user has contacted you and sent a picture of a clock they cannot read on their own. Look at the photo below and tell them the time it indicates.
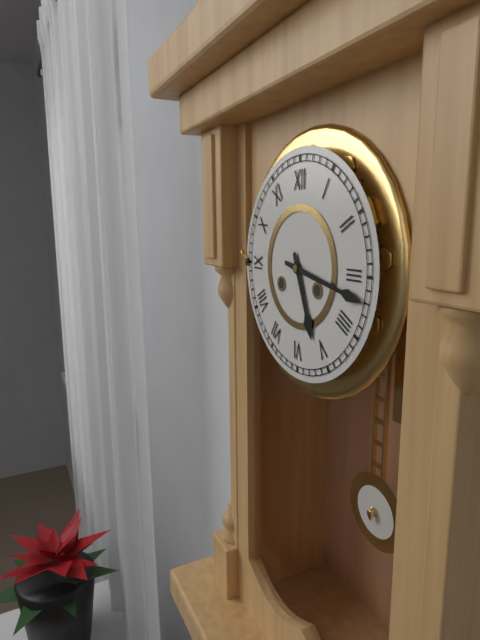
5:17
